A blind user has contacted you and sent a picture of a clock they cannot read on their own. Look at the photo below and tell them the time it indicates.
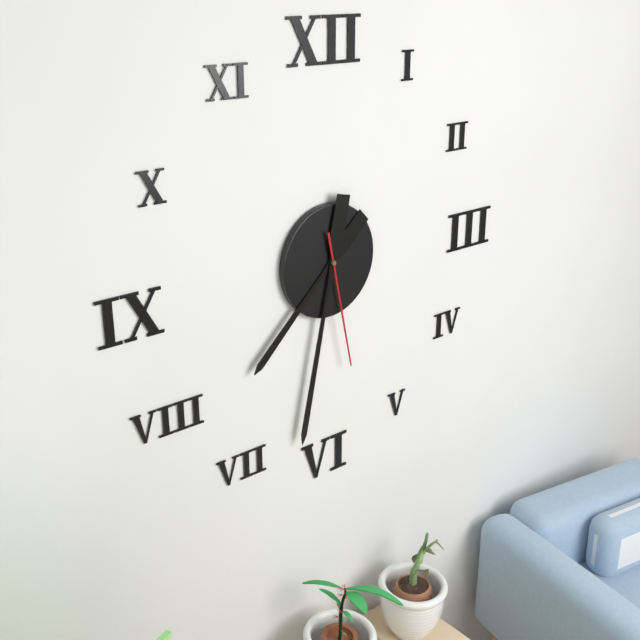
7:32:28
